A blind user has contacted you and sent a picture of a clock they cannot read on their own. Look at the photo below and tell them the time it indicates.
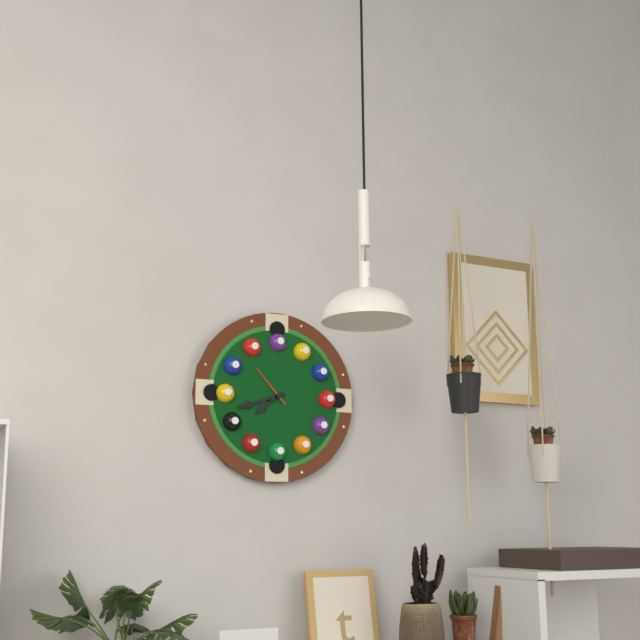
7:42
